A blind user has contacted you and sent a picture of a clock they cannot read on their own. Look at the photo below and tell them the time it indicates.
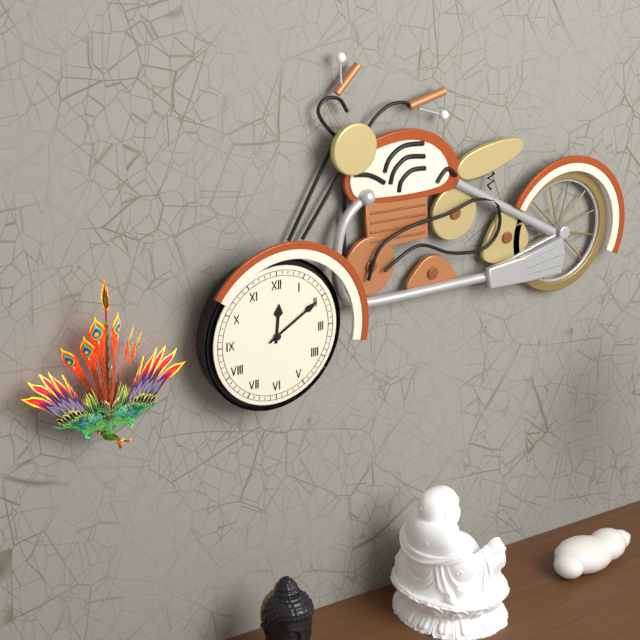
12:10
